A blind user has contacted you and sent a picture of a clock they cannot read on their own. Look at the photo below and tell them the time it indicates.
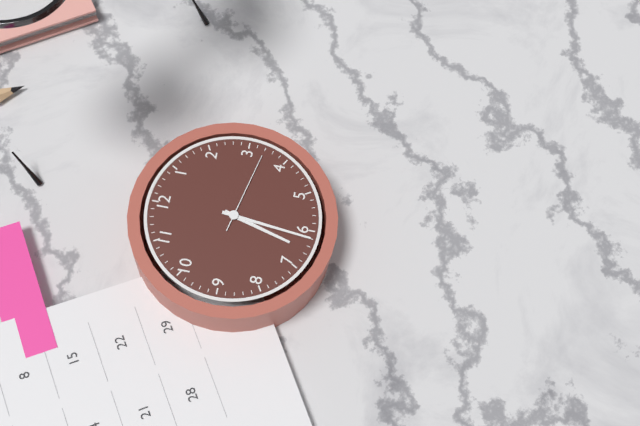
6:31:17
